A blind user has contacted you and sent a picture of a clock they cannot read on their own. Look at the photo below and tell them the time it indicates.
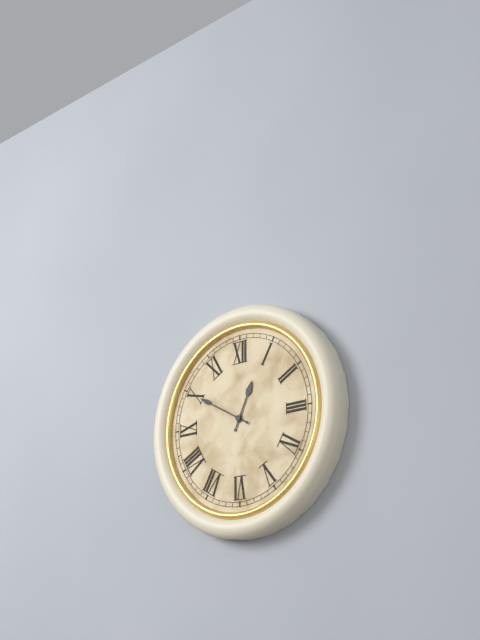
12:50
